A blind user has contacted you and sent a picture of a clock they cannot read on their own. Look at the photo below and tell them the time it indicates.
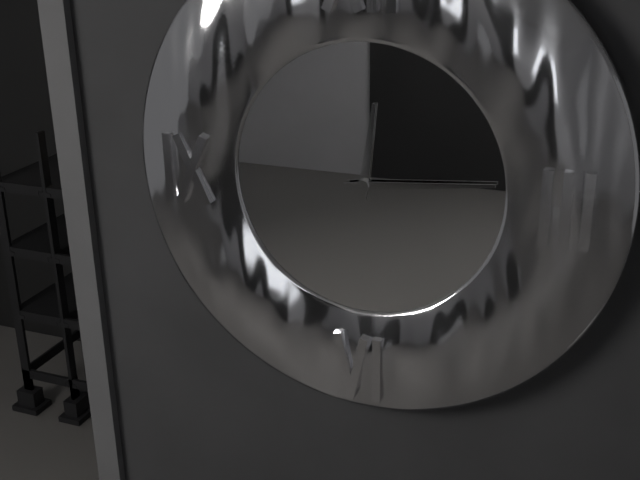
12:14
